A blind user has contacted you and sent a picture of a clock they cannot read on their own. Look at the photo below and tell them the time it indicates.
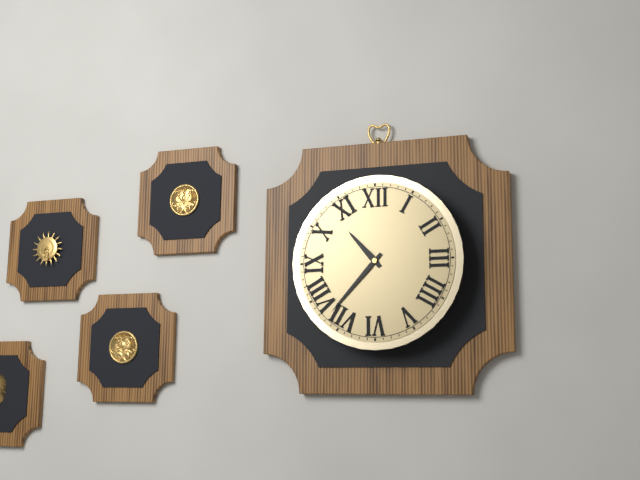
10:37
